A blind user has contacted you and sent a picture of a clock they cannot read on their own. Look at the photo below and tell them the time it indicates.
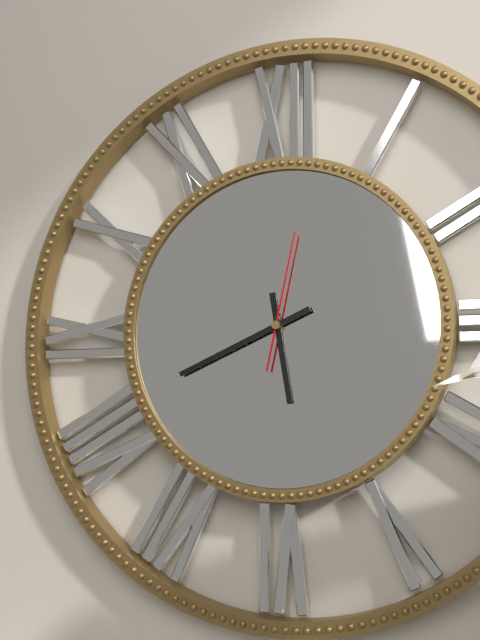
5:41:02
